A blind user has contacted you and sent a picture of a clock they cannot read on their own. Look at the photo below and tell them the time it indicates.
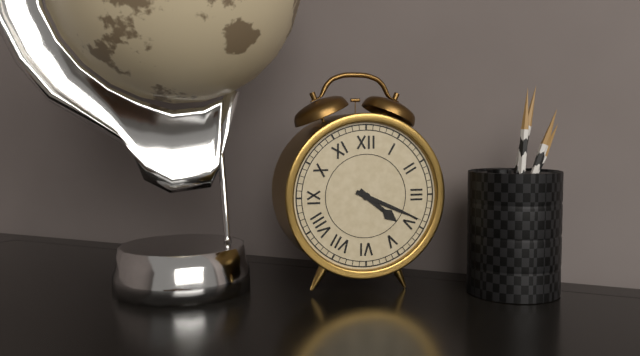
4:19
